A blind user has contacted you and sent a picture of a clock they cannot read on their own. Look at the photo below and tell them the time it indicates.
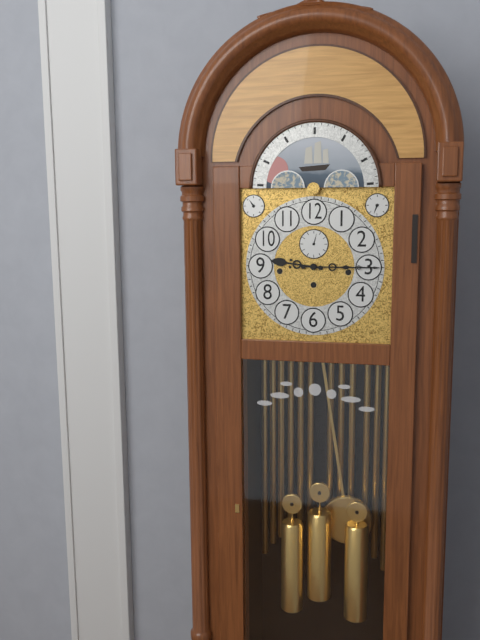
9:15
